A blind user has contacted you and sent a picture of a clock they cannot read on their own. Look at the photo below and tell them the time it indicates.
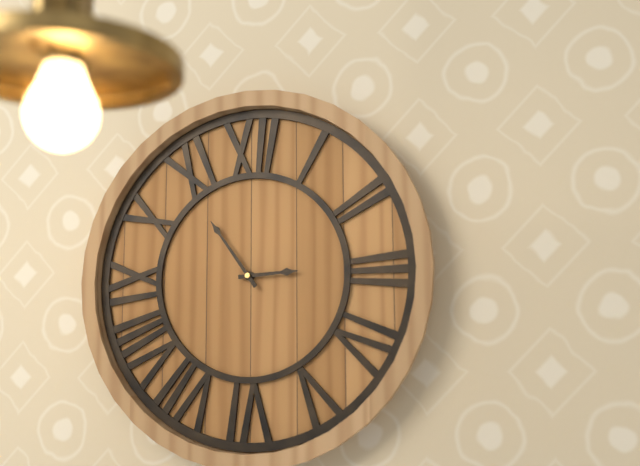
2:54
